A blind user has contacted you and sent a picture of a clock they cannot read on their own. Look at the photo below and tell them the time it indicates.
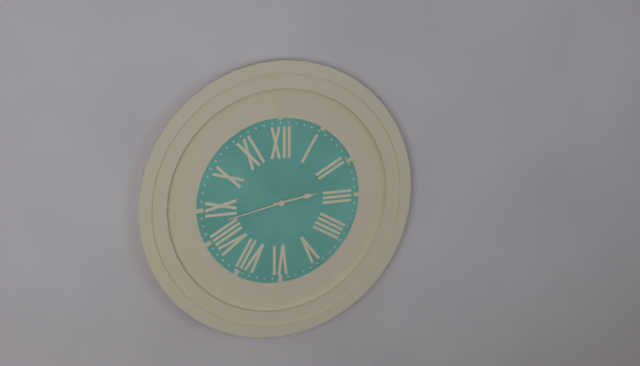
2:43
